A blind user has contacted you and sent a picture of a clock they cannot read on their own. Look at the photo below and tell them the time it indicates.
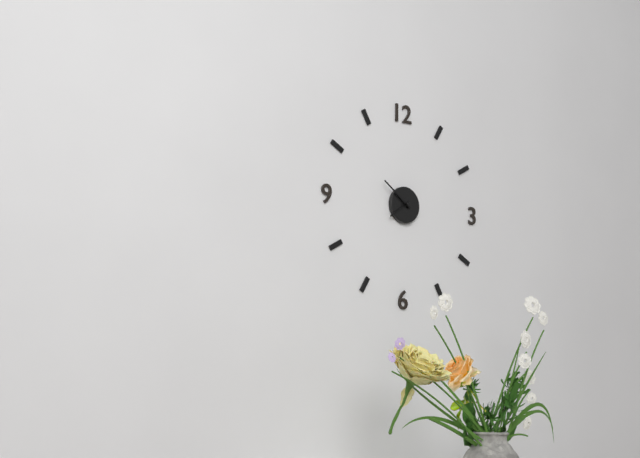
7:51
